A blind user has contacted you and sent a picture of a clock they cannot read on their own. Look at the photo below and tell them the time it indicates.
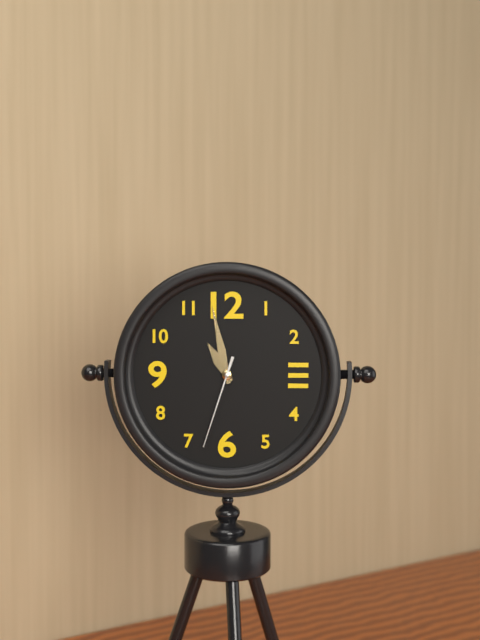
10:58:33
